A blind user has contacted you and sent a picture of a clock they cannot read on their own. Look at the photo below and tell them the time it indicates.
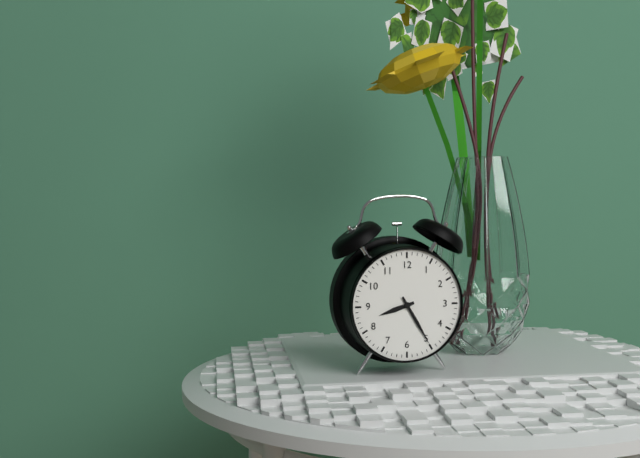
8:25
